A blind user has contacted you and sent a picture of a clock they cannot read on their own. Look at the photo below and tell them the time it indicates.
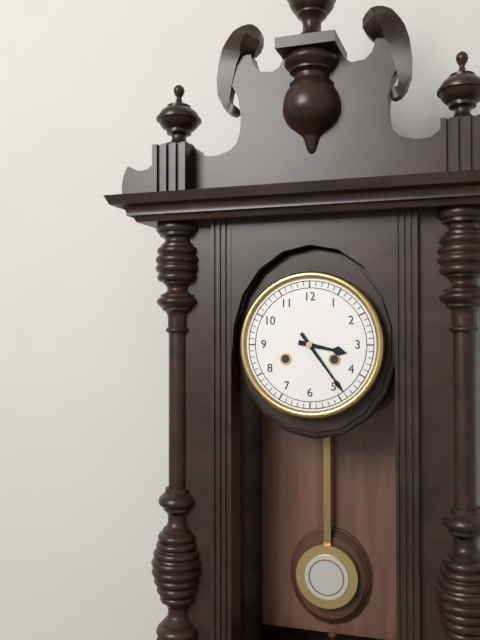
3:24
